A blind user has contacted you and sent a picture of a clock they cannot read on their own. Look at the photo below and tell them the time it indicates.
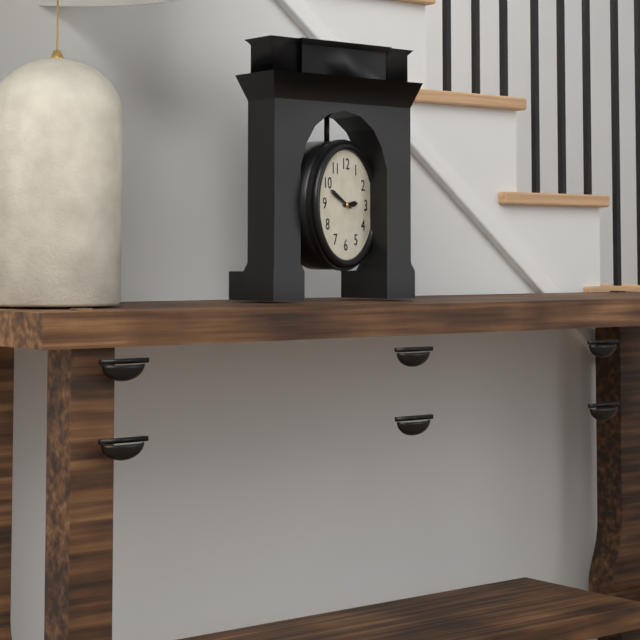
2:49
